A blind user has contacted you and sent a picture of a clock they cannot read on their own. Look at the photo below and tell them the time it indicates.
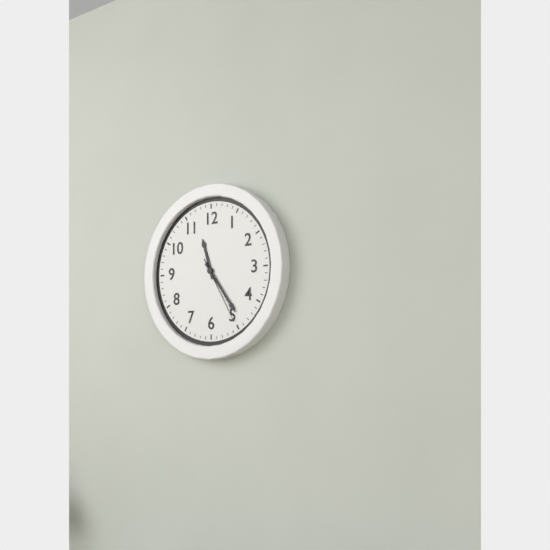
11:24:25
